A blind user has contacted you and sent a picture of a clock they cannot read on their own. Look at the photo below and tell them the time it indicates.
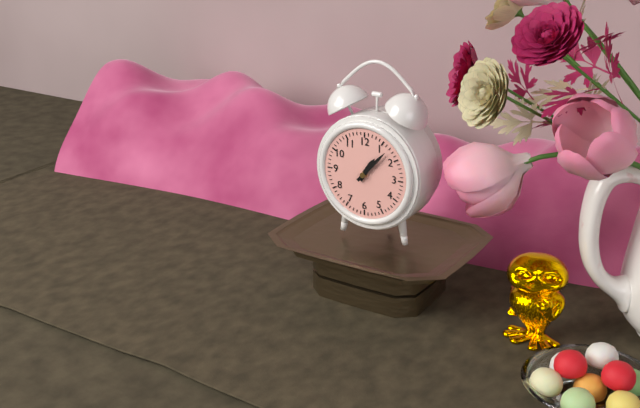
1:07
